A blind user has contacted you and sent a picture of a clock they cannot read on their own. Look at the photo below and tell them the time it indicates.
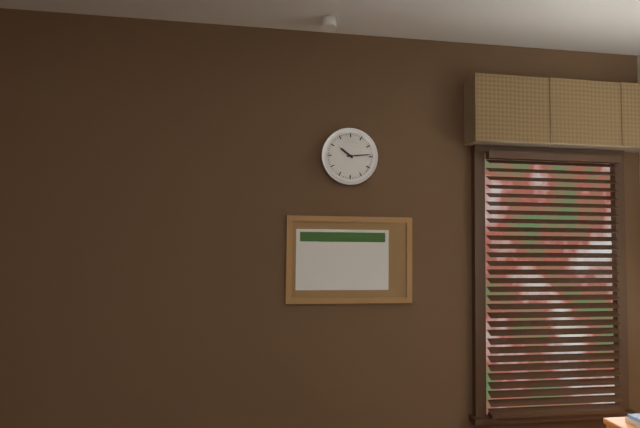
10:14
